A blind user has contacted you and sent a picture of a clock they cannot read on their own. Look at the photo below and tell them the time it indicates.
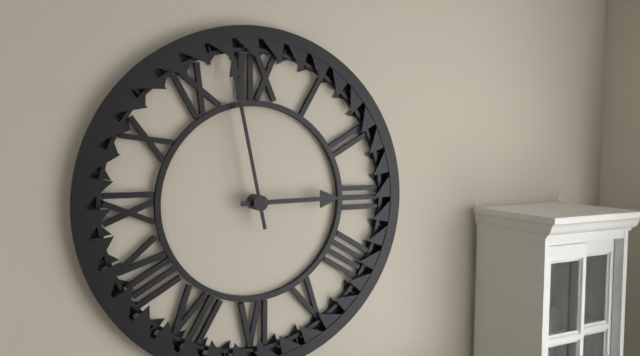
2:58
